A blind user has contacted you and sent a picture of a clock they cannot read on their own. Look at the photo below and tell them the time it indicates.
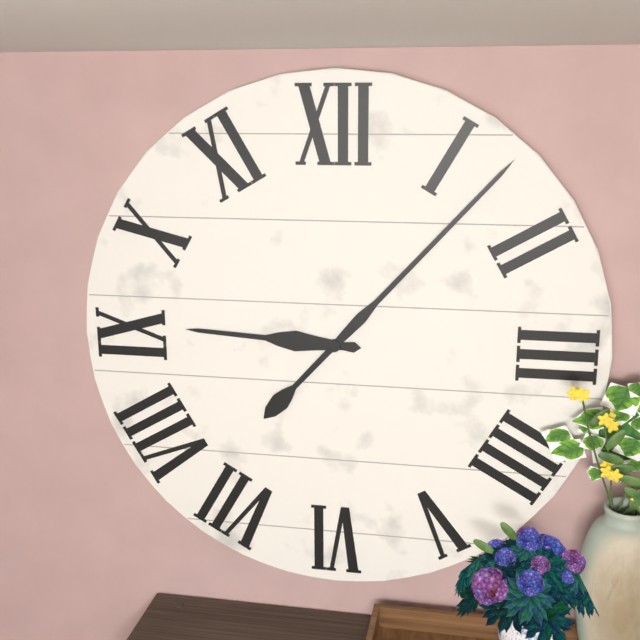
9:07
